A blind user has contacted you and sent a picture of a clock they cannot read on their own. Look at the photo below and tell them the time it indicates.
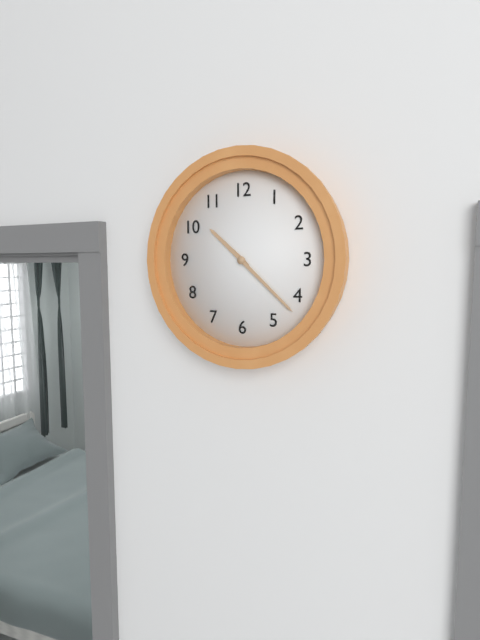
10:22
